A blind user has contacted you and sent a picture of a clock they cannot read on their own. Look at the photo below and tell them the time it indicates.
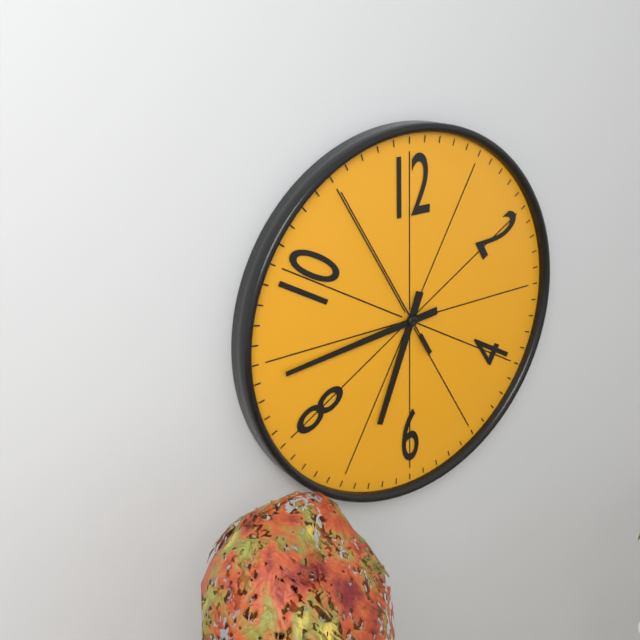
6:44:55
